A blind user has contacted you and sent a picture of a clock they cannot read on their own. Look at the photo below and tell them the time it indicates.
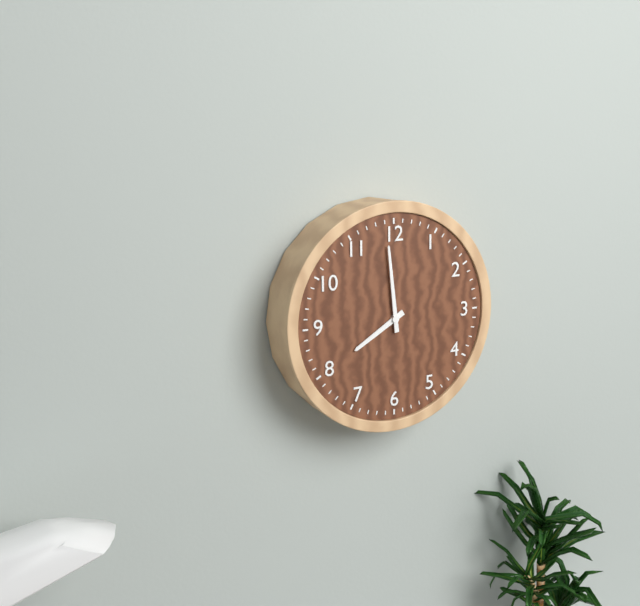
7:59
